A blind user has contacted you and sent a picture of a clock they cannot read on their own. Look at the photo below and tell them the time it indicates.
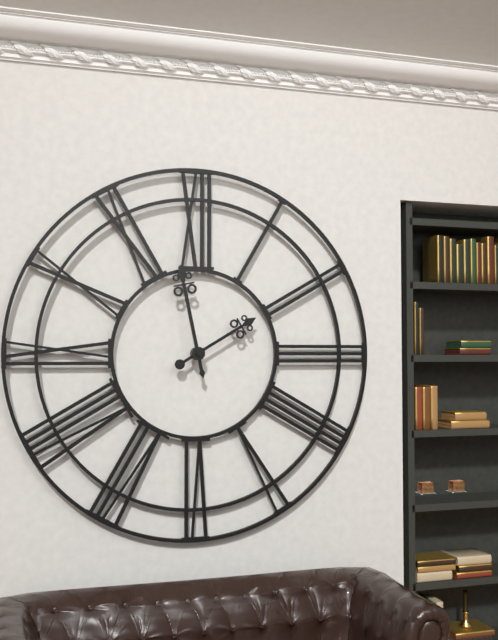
1:58
